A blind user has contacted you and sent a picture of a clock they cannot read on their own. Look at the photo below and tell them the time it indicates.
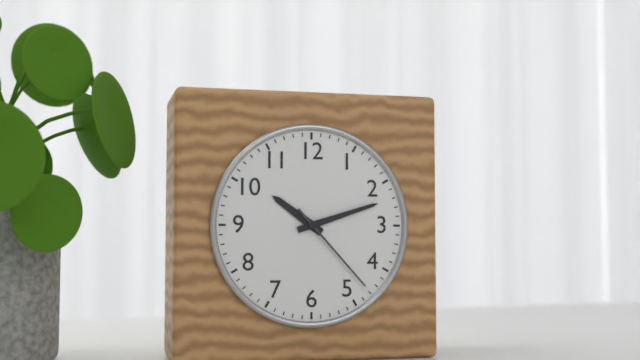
10:12:23
